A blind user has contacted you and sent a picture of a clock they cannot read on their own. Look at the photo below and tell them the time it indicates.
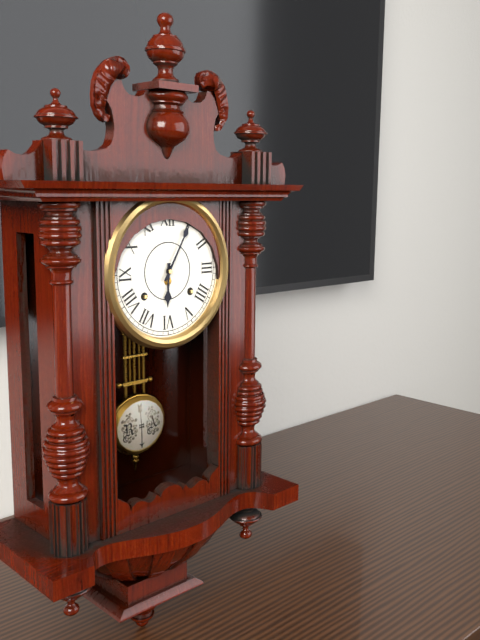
6:05
